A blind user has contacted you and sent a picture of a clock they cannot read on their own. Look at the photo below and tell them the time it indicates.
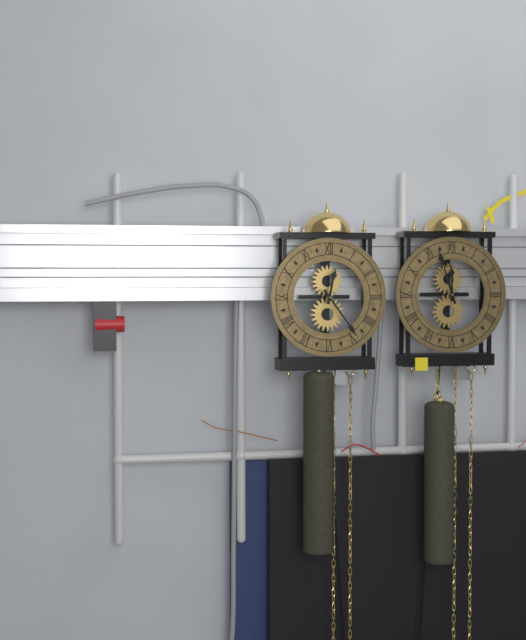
12:24
